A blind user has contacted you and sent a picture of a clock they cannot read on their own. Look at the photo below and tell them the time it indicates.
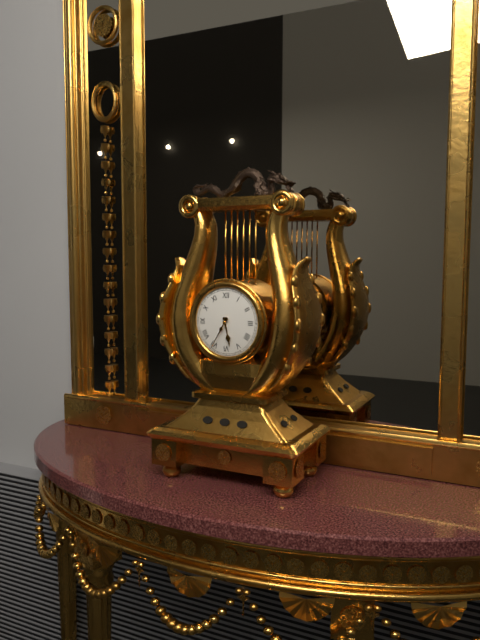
5:35
